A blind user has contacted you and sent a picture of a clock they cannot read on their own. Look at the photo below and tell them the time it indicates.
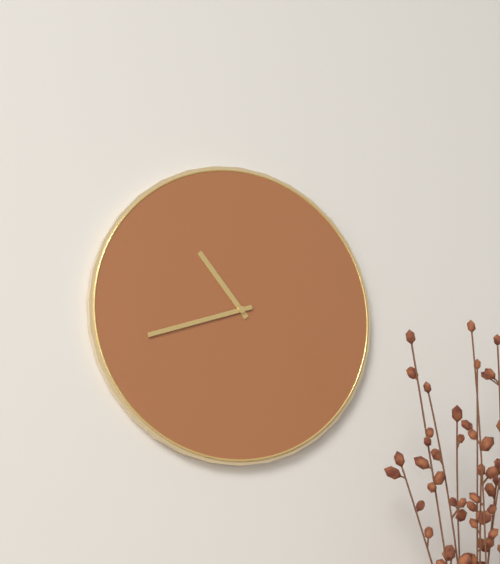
10:42
